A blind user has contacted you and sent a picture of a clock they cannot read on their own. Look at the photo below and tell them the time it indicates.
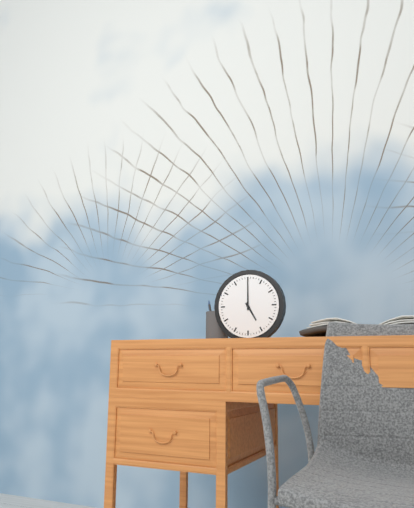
5:00
